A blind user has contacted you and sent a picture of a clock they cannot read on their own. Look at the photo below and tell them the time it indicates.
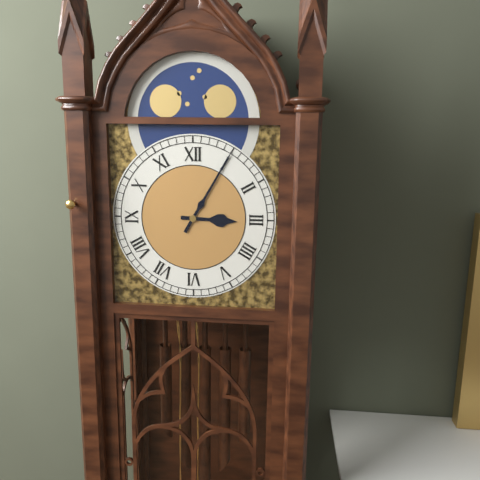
3:05
